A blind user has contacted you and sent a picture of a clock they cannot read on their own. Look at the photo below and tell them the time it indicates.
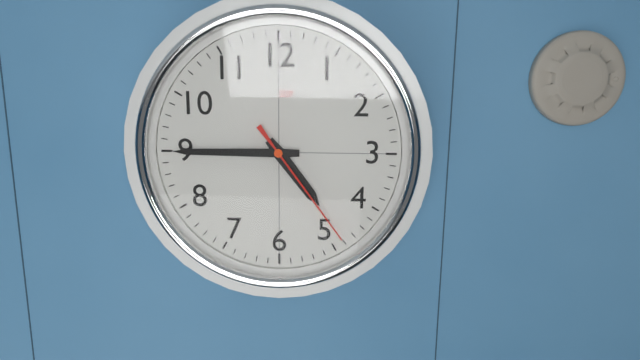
4:45:24
